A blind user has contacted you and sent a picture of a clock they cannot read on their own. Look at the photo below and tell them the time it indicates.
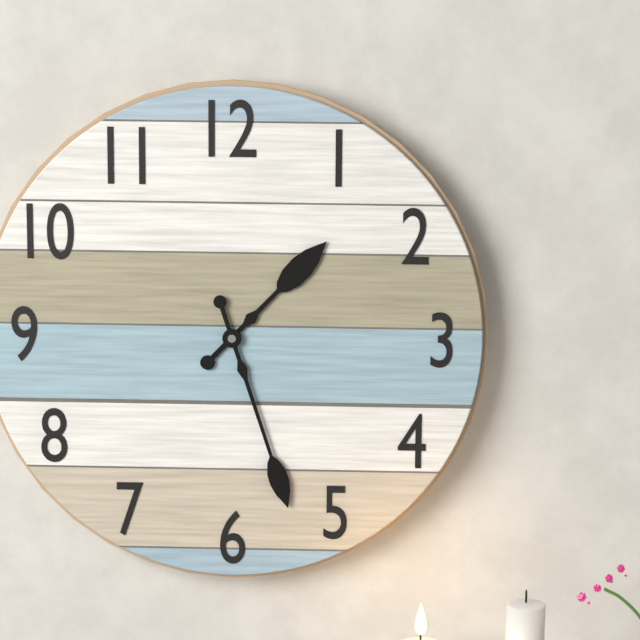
1:27
